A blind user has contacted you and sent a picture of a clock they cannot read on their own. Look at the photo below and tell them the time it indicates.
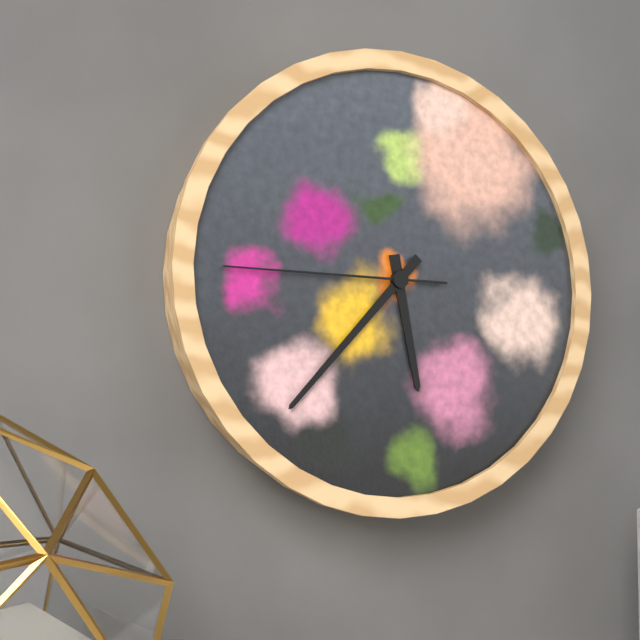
5:37:45
